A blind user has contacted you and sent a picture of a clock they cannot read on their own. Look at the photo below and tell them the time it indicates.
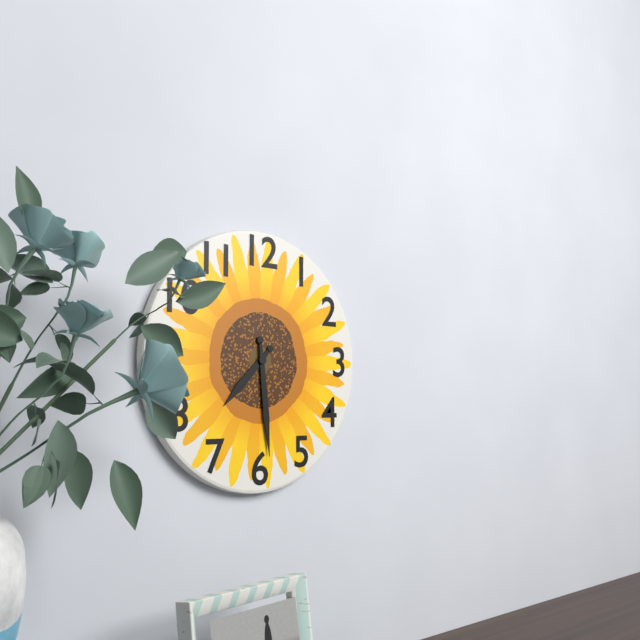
7:29
